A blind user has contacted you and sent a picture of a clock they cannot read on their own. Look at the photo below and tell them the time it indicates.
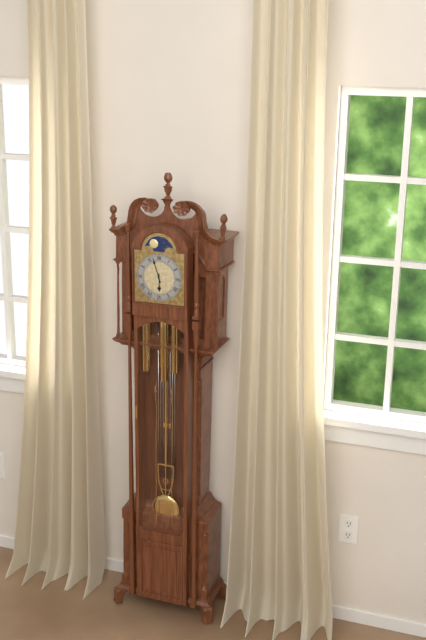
5:57
